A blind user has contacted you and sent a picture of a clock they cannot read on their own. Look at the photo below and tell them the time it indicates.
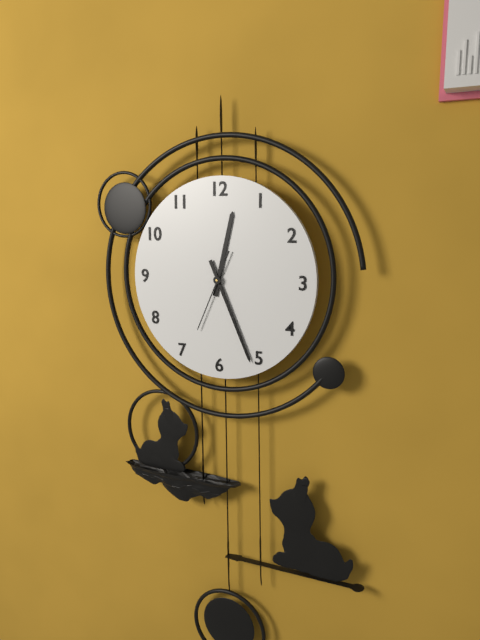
12:26:34
